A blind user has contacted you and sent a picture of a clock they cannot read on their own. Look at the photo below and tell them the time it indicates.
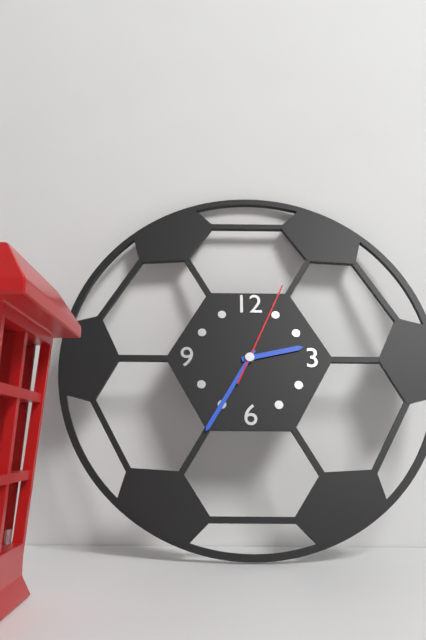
2:35:04
